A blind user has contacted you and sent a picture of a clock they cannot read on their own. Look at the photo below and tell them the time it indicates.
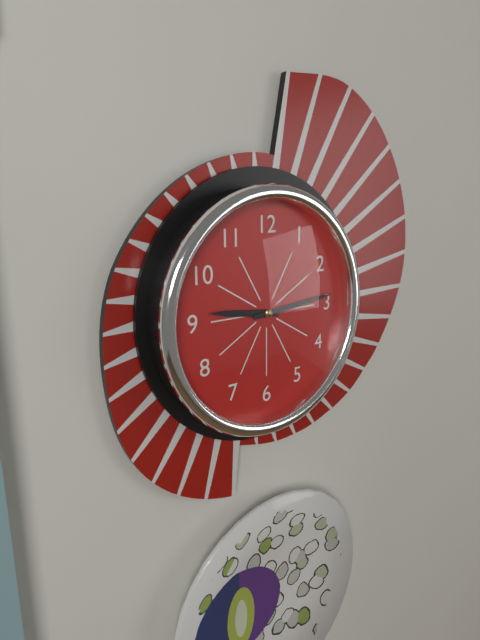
9:14
